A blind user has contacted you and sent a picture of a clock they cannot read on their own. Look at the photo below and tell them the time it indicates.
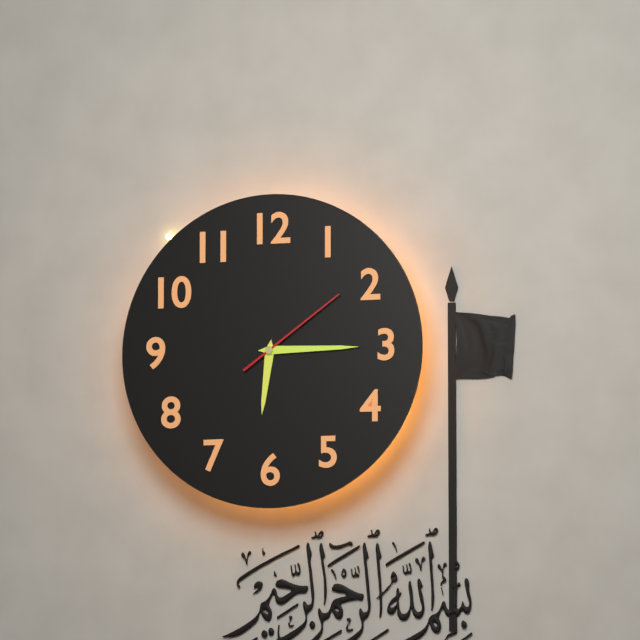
6:15:09
